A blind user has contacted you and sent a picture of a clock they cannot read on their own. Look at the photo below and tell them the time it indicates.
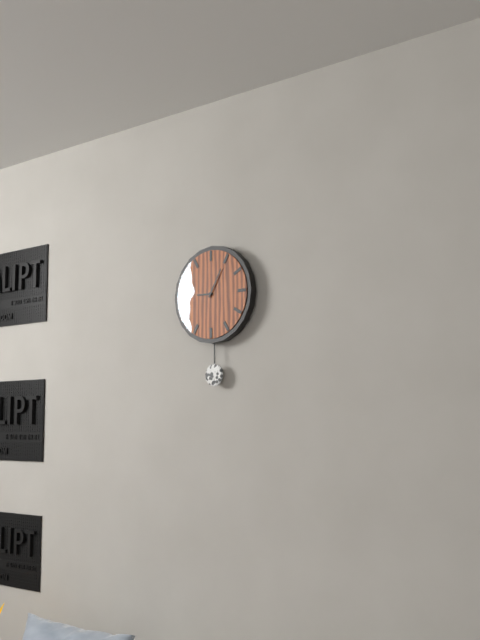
9:05
